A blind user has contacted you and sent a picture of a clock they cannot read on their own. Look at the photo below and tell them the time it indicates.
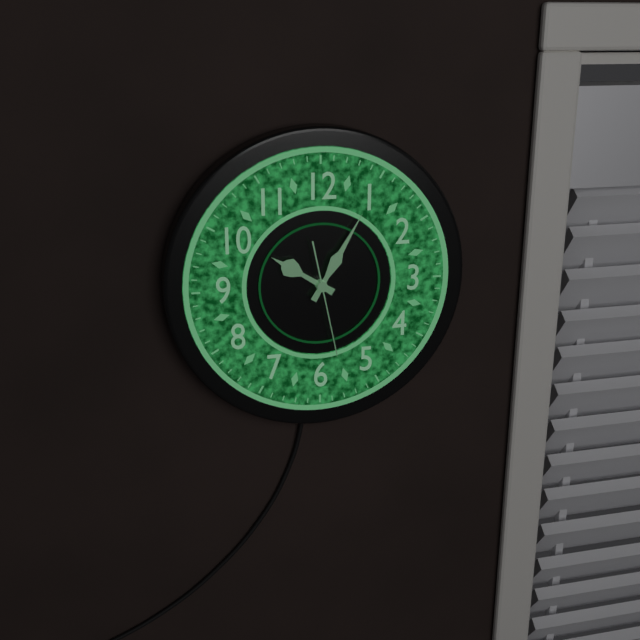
10:05:28
